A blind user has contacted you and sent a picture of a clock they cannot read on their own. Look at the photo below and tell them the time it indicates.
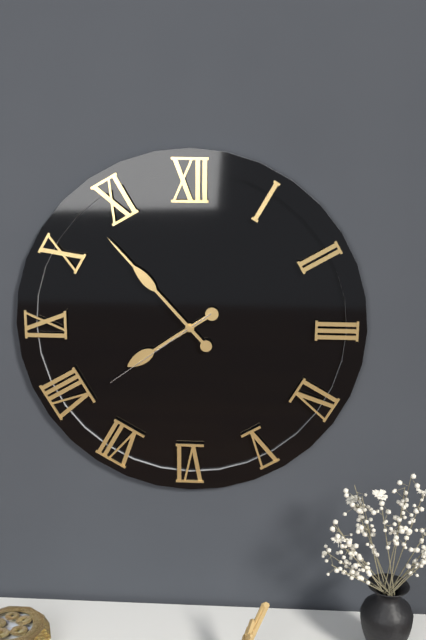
7:53:39
